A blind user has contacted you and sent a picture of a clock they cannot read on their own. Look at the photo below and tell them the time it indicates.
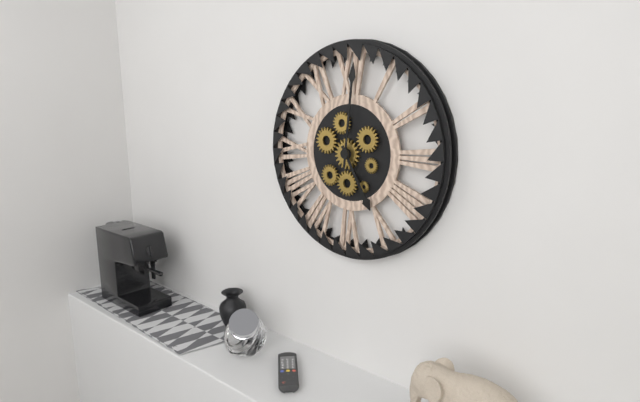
5:01
